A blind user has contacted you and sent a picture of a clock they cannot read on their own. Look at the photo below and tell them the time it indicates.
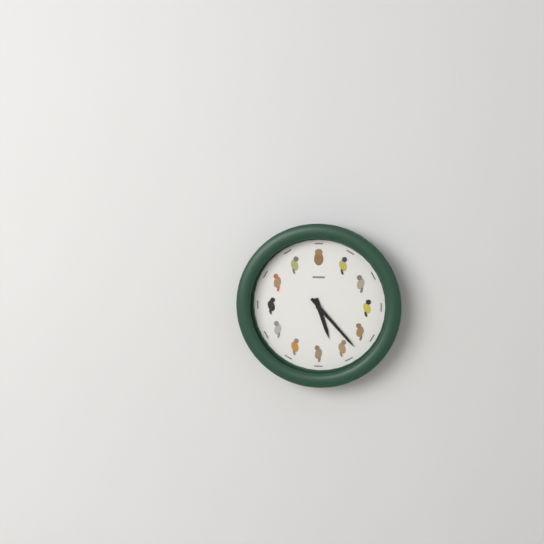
5:23
